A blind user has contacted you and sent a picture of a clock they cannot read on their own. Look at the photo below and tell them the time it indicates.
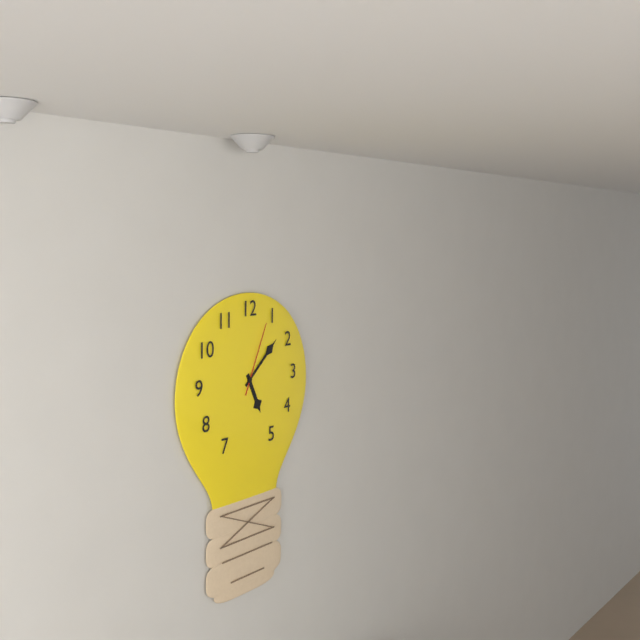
5:08:04
